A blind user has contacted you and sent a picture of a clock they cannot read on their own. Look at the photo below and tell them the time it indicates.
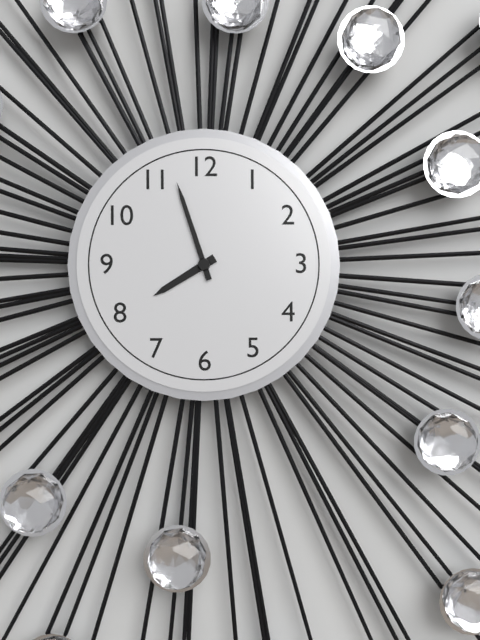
7:57
